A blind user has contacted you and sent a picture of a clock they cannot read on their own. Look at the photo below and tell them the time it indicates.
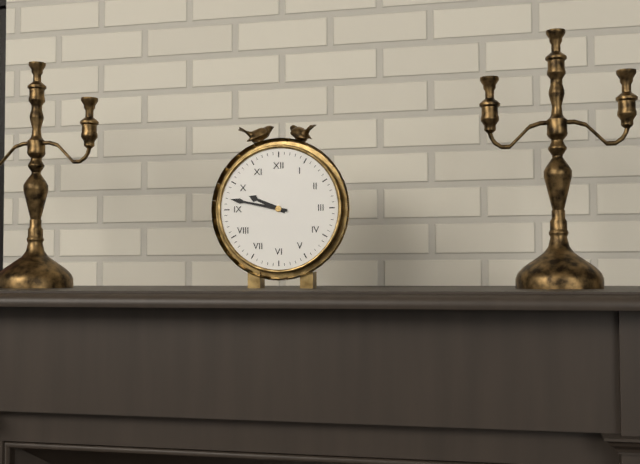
9:47
